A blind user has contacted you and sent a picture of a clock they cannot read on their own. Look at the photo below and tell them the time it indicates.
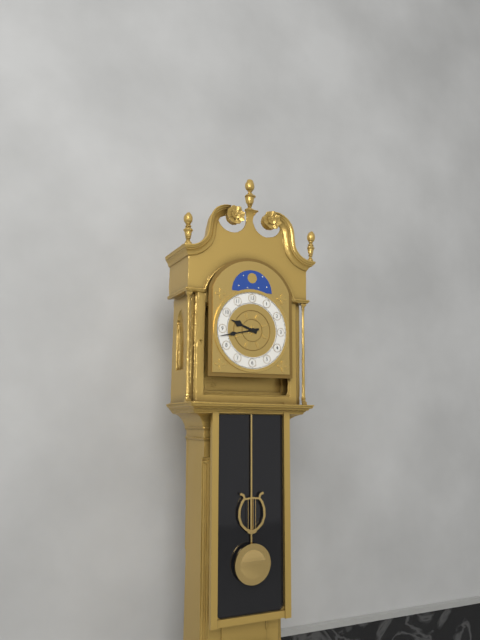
9:43
